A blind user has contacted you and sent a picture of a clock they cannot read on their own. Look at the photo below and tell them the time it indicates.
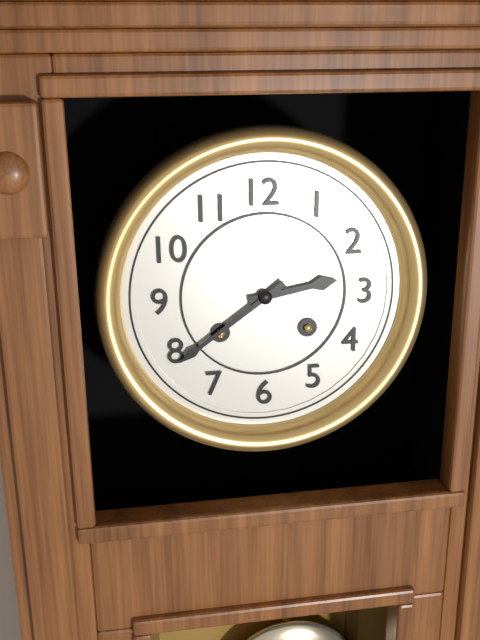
2:39
